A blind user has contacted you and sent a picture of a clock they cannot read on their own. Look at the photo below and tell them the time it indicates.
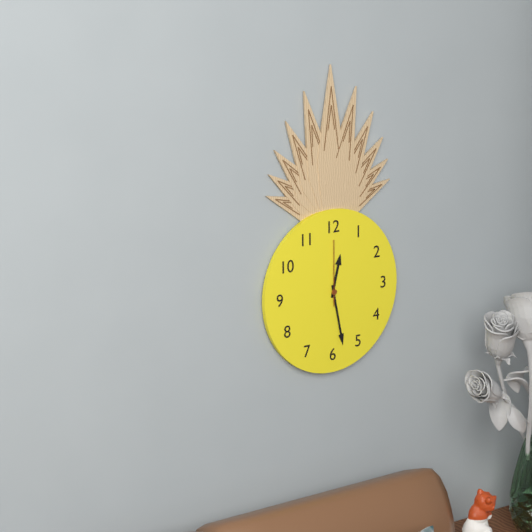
12:28:00
